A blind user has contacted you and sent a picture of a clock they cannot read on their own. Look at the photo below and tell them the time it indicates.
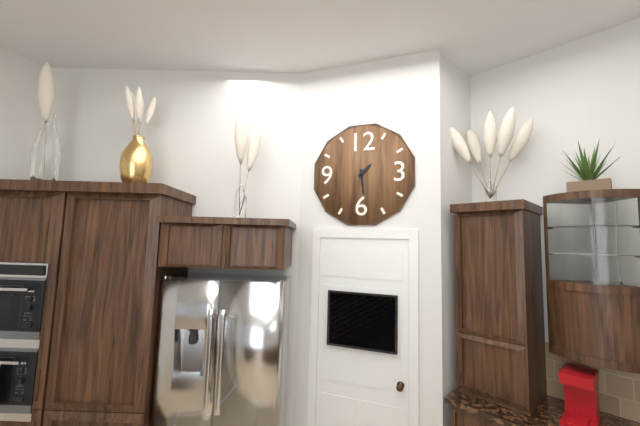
1:29
